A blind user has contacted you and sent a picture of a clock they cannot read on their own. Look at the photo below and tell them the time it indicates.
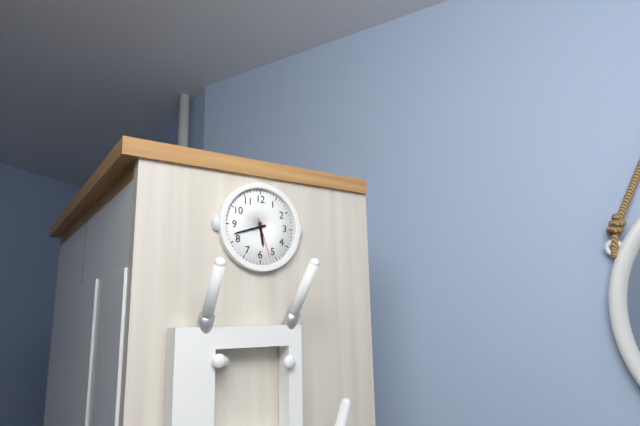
5:42
